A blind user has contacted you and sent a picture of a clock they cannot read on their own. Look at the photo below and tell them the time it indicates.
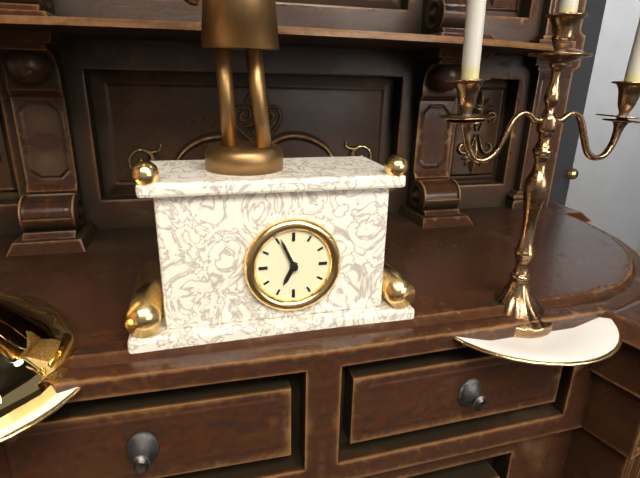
6:56
